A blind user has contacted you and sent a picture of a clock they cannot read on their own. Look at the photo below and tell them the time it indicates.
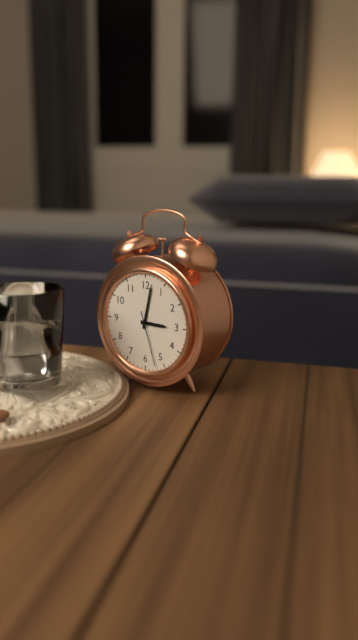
3:02:27
